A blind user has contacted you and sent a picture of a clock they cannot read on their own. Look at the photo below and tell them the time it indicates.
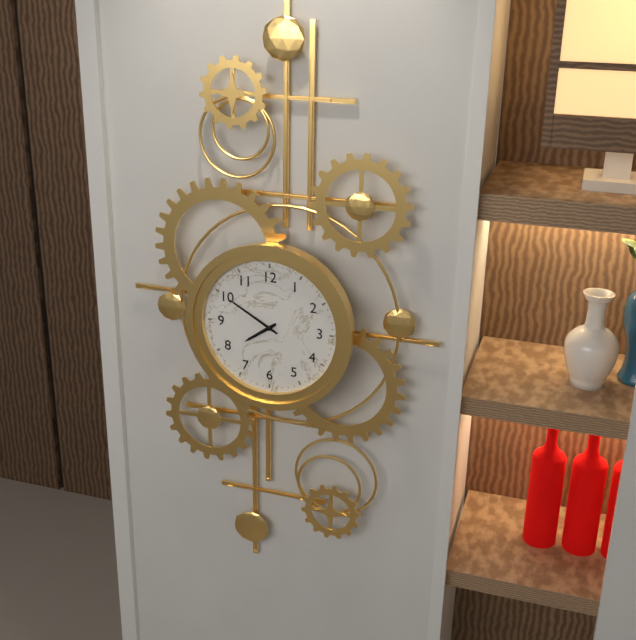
7:50
